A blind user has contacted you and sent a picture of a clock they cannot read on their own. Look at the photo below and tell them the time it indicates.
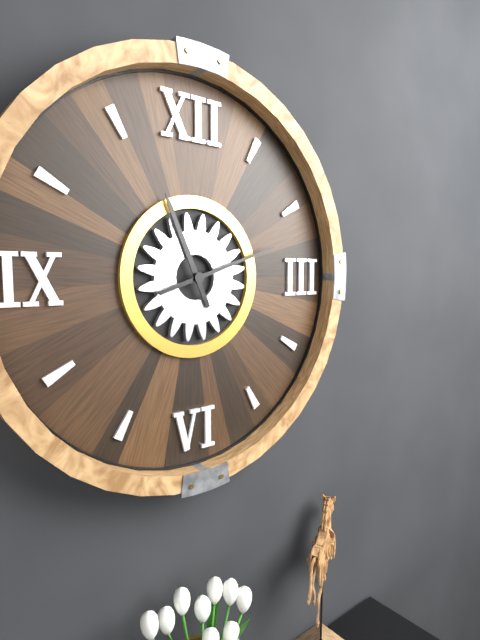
11:12
